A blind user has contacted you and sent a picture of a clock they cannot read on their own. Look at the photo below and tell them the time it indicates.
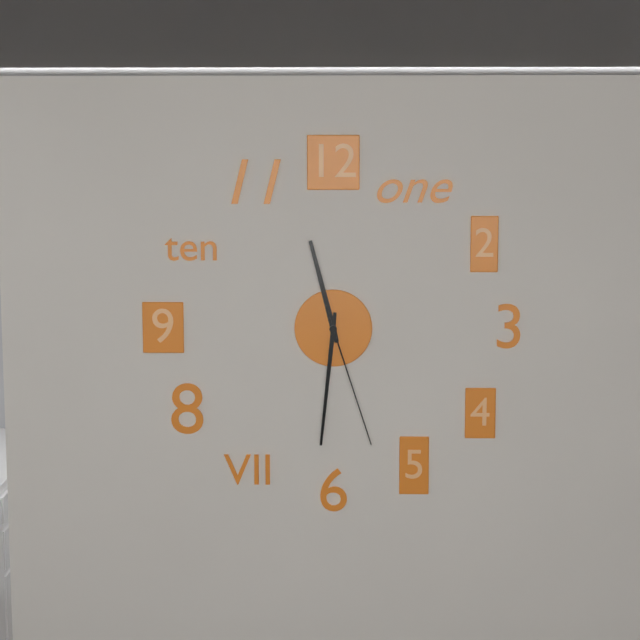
11:31:27
